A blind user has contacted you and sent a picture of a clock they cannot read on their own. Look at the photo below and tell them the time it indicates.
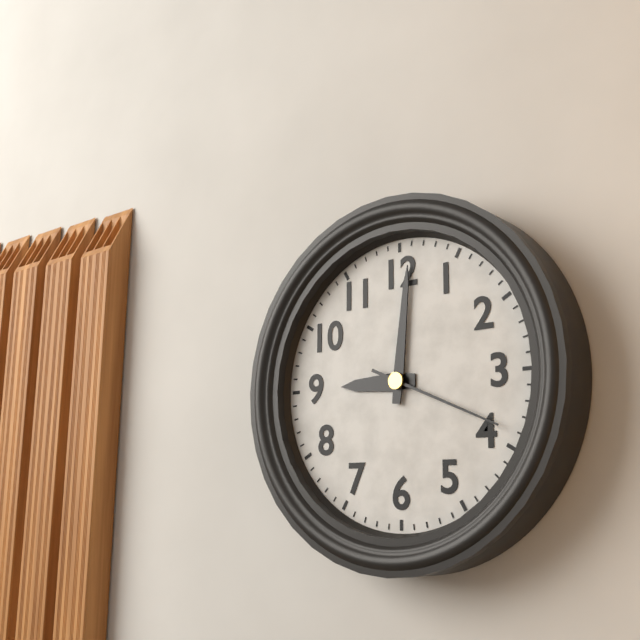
9:01:19
